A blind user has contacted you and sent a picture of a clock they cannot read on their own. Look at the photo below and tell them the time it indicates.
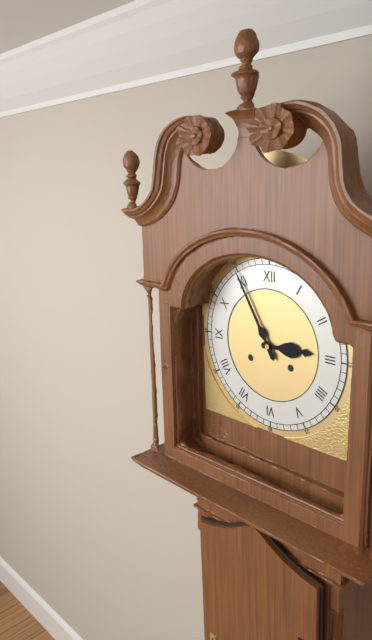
2:55
